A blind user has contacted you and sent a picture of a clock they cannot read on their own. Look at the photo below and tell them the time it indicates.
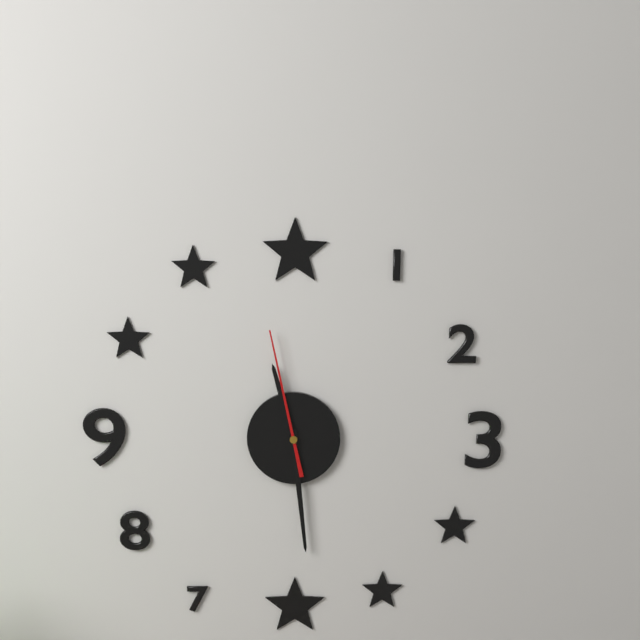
11:29:58
